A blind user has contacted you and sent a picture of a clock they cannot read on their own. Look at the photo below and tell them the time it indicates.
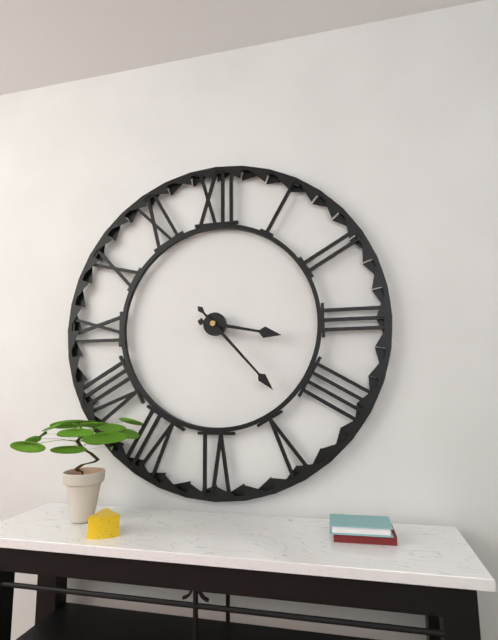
3:23
